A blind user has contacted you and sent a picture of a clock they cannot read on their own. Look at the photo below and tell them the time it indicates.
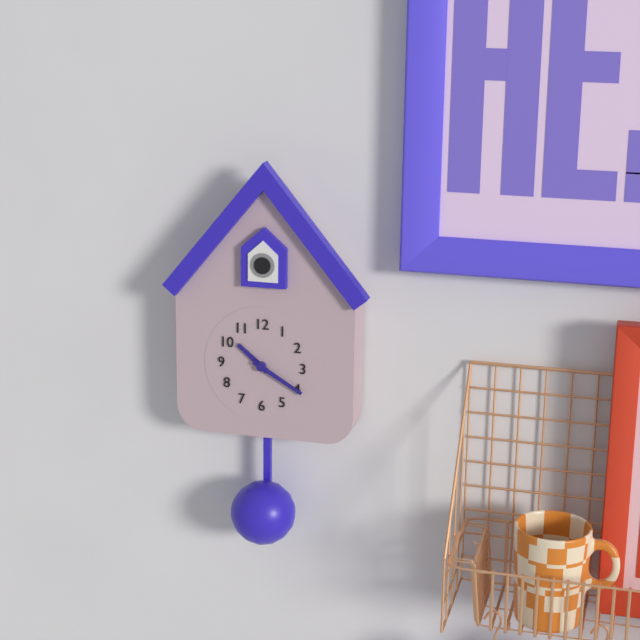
10:20
